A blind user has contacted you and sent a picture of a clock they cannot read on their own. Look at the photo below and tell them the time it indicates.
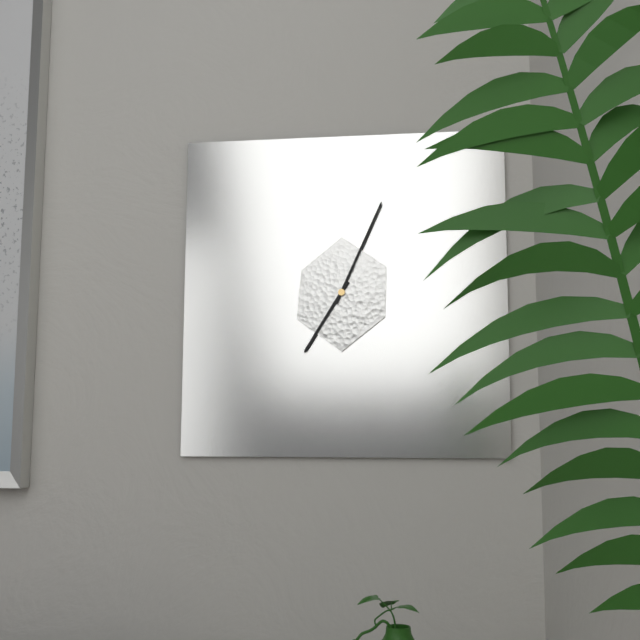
7:04
